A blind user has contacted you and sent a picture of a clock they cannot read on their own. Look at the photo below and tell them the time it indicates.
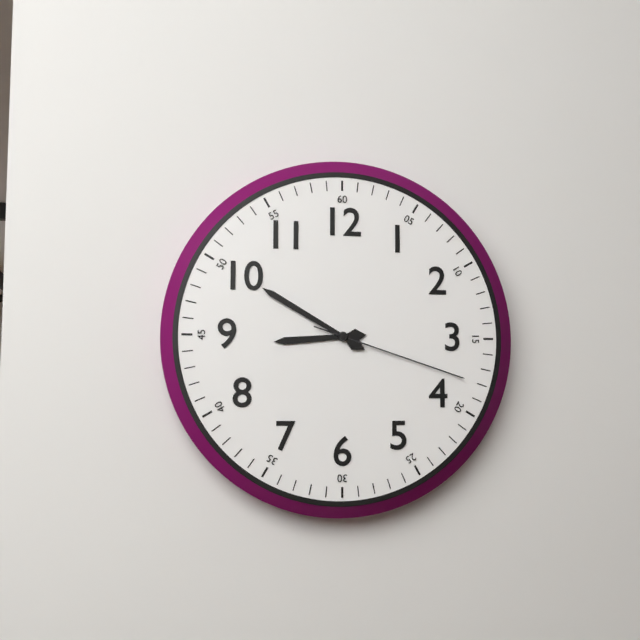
8:50:18
